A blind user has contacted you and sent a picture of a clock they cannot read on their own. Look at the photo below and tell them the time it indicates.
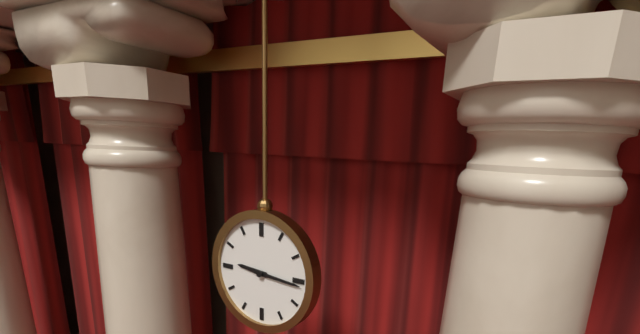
9:16
